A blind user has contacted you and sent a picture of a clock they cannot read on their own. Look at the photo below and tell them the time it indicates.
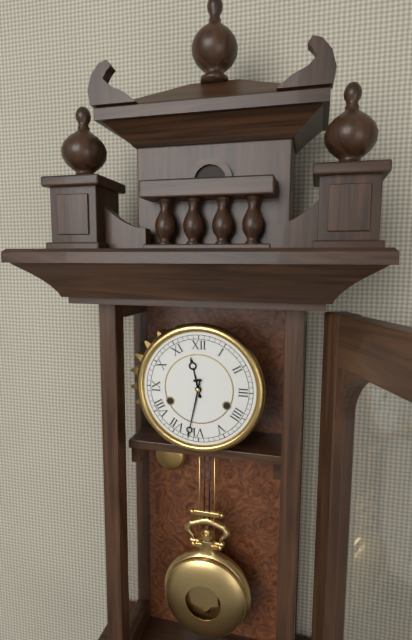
11:32
